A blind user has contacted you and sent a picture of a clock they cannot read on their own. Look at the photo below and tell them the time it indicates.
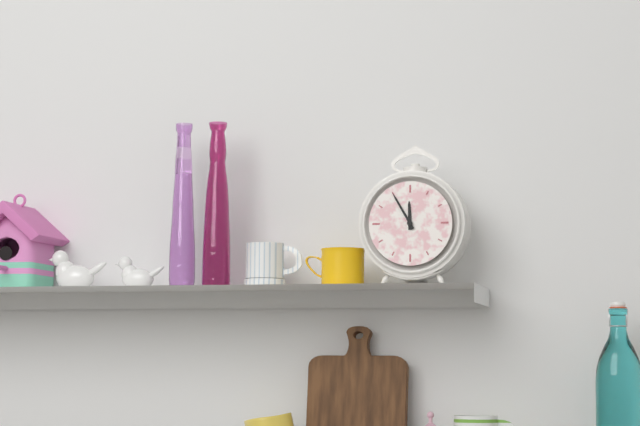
11:55
